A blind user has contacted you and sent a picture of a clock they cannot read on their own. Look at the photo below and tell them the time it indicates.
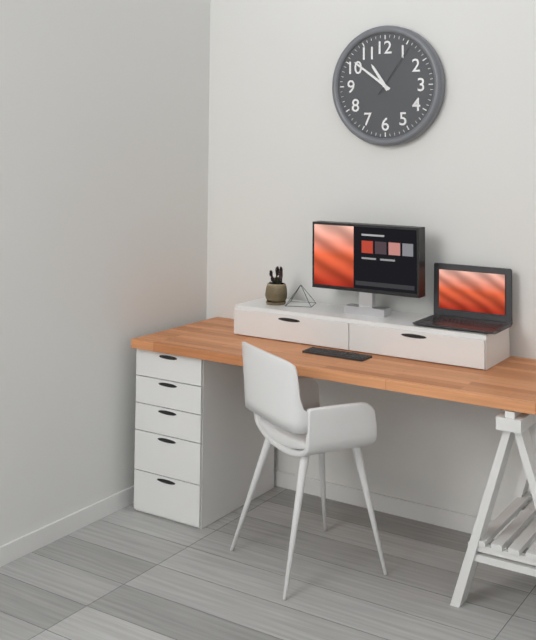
10:51:06
